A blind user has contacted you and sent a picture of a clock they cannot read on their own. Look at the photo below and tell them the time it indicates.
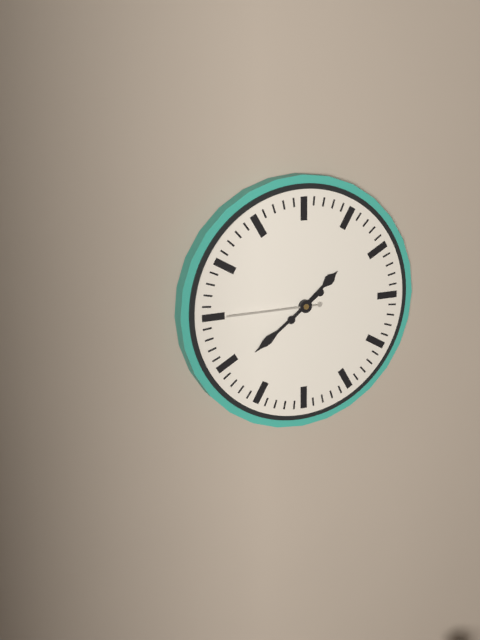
1:39:45
